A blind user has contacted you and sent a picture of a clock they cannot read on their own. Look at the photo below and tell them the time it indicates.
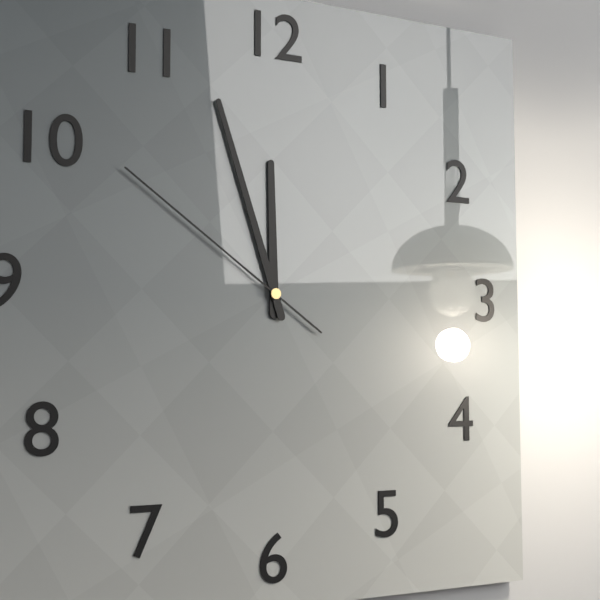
11:57:51
